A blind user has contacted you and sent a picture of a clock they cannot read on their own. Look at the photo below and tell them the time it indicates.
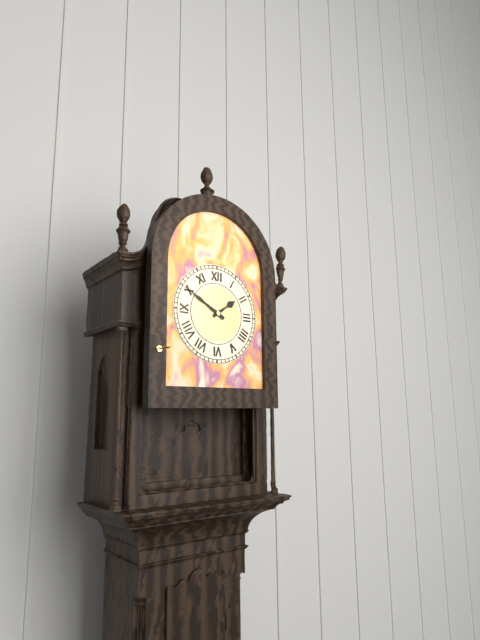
1:50
